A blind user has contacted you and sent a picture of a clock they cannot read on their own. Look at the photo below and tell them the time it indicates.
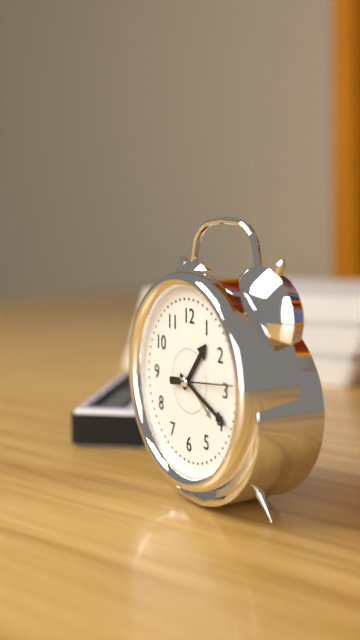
1:19:14
